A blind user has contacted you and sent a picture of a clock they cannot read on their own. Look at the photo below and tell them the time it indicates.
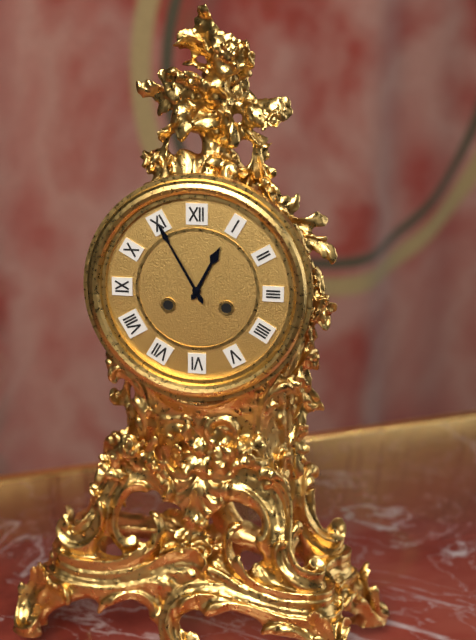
12:55
